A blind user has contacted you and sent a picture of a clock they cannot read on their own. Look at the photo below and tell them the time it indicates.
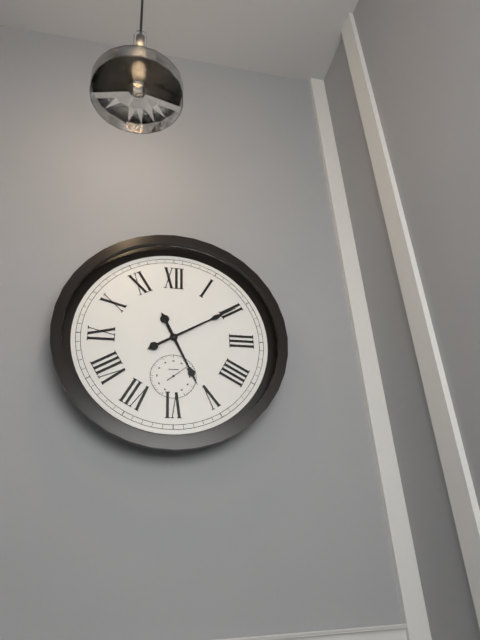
5:10
